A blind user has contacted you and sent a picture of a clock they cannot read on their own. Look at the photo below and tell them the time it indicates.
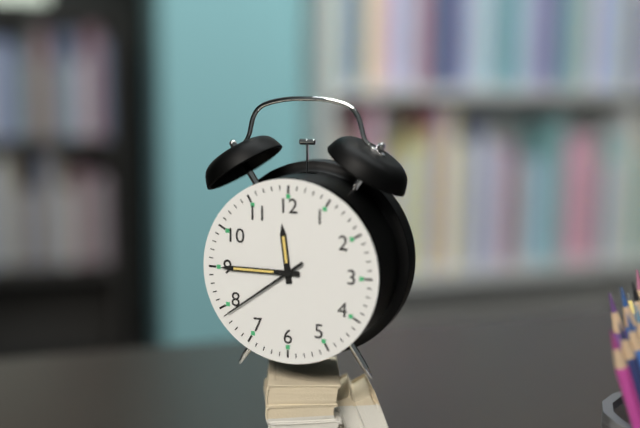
11:45:39
